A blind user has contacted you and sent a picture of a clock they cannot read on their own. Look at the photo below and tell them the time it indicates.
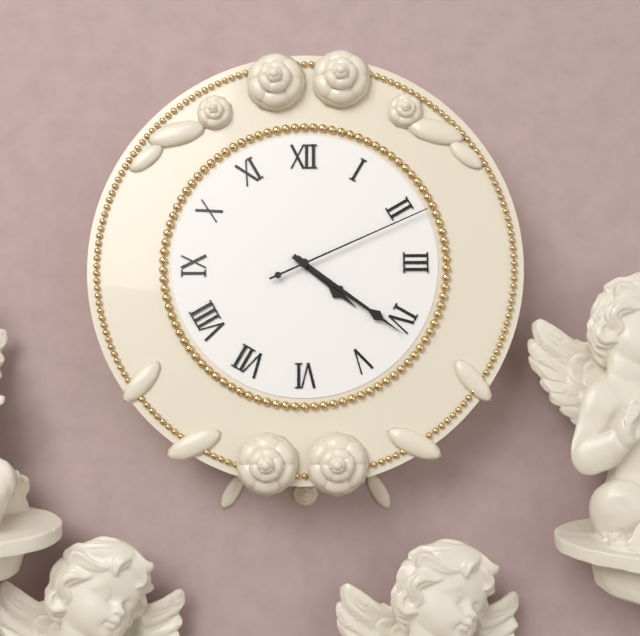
4:21:11
